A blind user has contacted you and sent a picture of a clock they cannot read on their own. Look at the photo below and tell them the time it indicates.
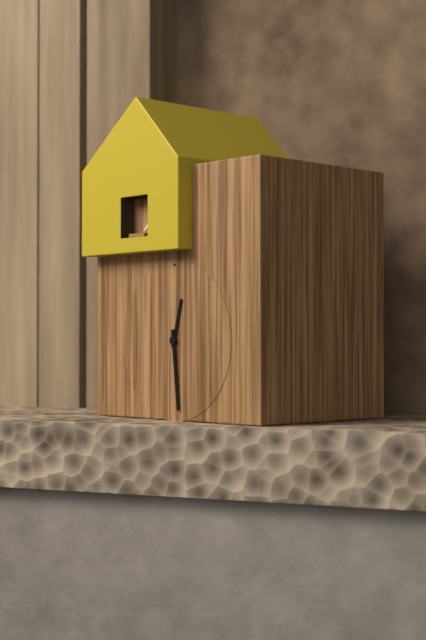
12:29
